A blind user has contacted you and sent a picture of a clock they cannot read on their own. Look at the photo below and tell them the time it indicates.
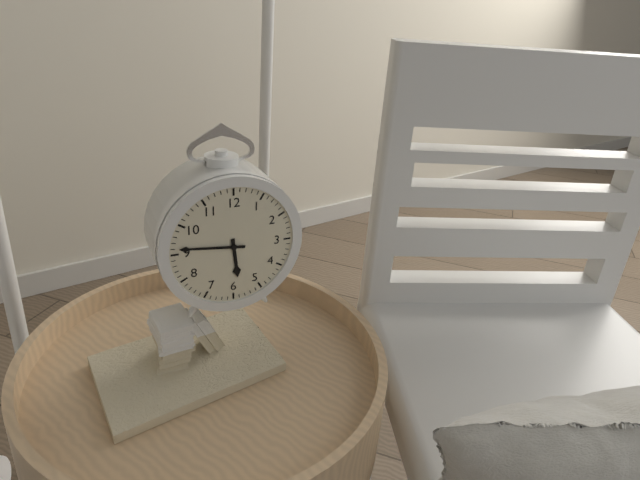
5:46
